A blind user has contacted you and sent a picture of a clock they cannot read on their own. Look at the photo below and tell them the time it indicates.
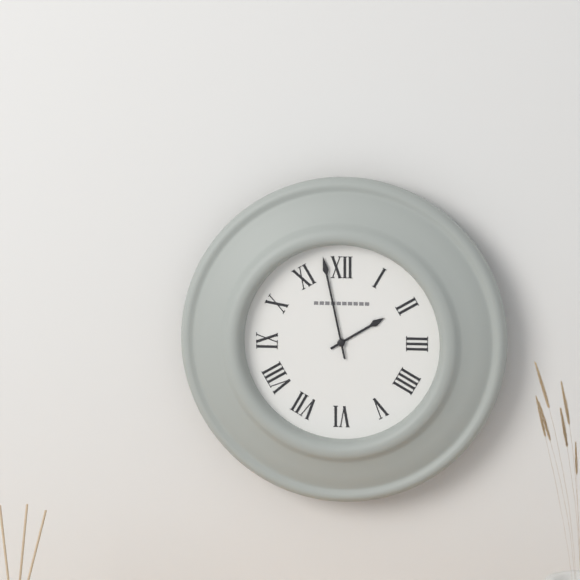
1:58
